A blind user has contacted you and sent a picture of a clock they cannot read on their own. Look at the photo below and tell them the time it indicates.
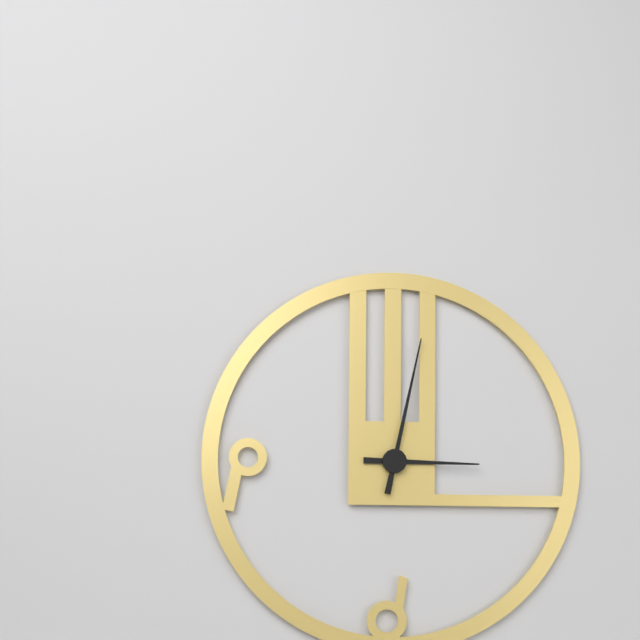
3:02
